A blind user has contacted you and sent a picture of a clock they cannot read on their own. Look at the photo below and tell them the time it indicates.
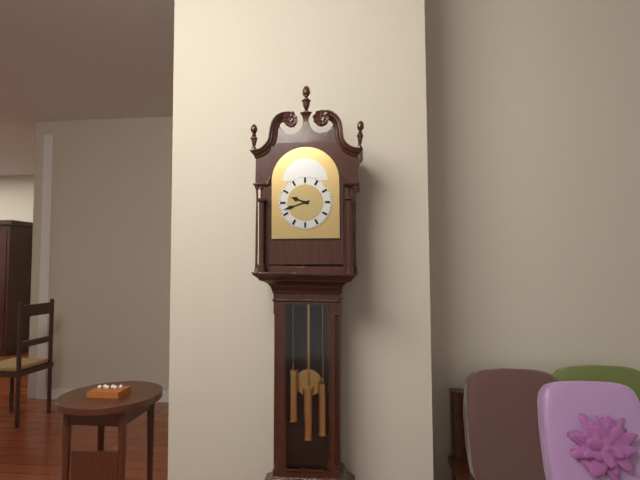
9:42
